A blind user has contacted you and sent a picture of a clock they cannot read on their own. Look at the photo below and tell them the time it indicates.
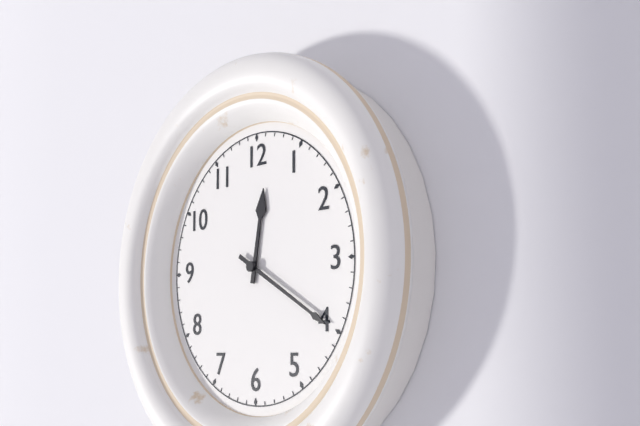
12:20
